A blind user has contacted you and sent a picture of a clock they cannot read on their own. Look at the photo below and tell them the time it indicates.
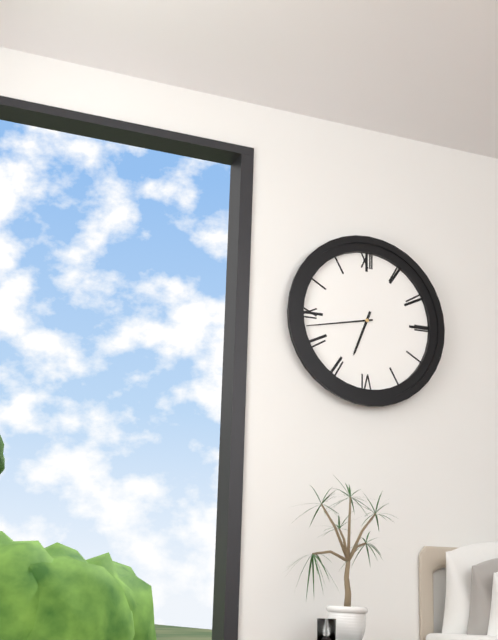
6:43
